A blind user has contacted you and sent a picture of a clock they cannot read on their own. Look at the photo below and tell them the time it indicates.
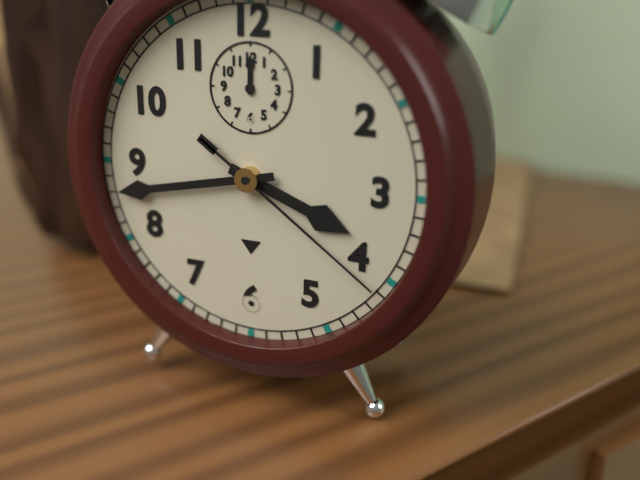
3:43:21
